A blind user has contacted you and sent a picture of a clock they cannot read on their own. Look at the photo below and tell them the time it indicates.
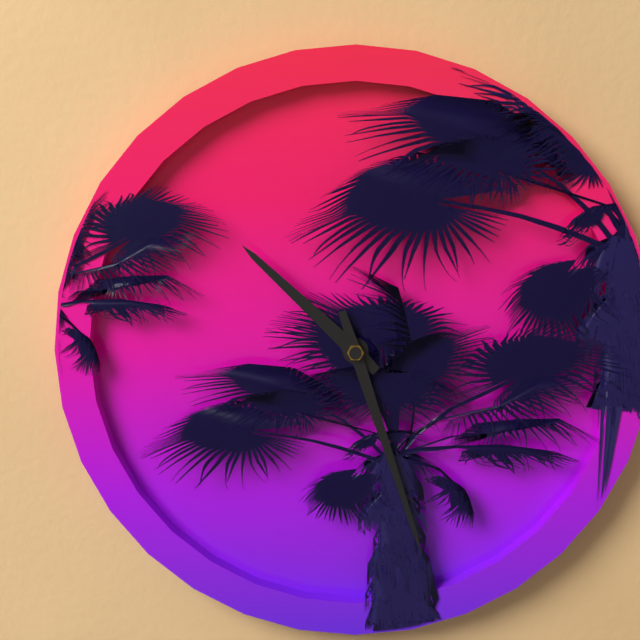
10:27
